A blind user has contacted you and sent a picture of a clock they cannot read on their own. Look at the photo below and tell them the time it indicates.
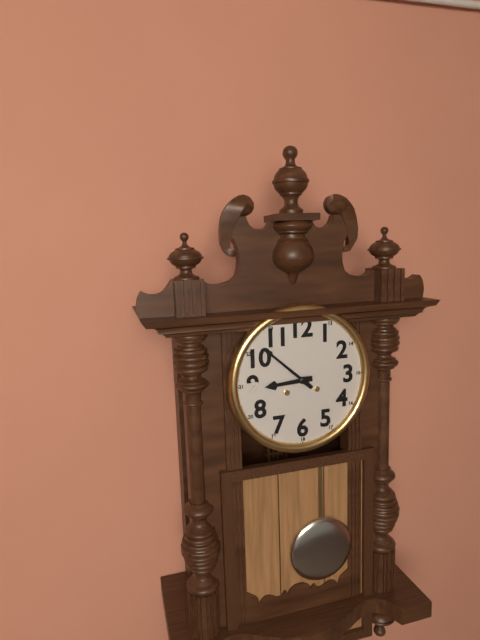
8:52
